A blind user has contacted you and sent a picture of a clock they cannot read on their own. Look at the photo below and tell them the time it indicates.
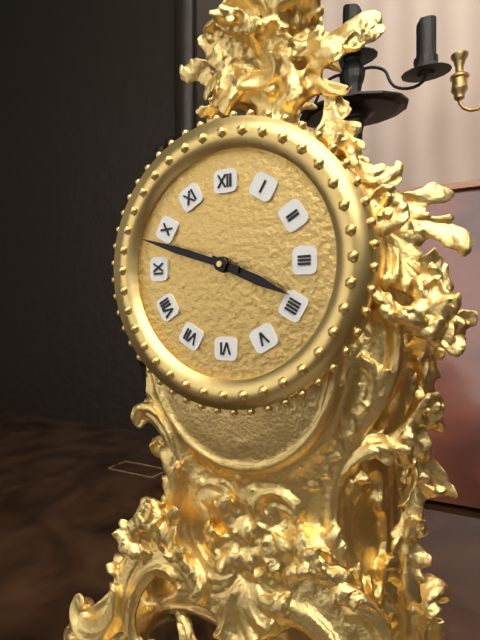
3:48
